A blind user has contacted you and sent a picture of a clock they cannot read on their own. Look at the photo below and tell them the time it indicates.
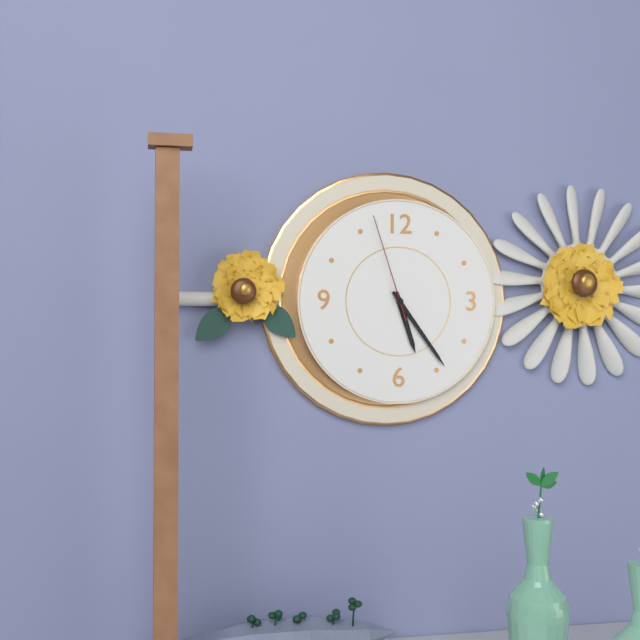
5:24:57
